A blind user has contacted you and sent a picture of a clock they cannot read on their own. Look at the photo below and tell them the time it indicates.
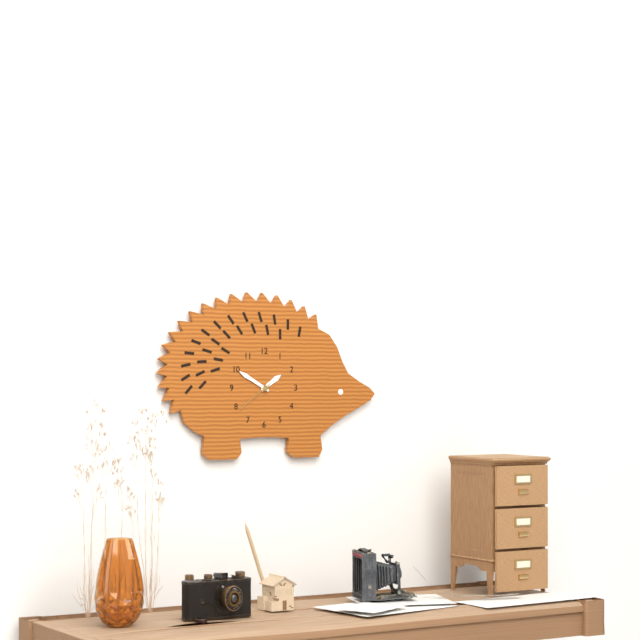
1:50
